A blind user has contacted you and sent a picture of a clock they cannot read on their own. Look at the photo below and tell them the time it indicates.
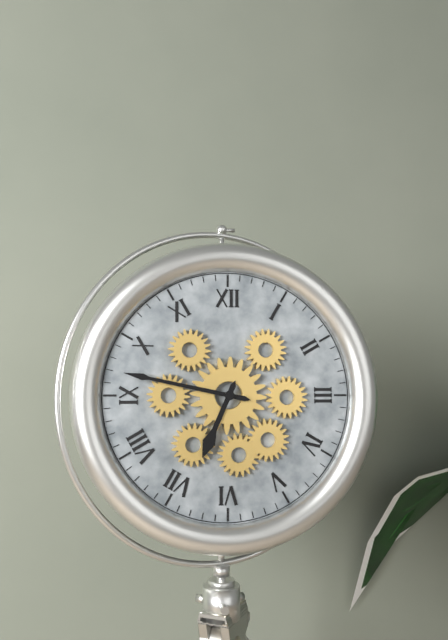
6:47
